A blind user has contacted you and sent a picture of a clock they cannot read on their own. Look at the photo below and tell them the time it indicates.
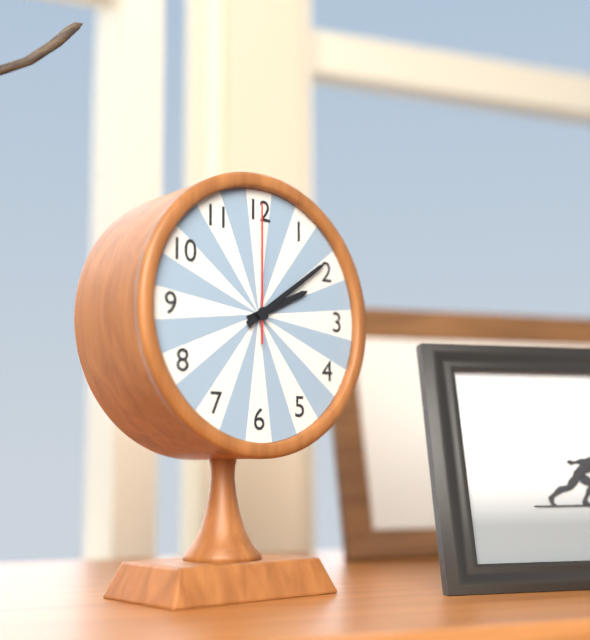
2:09:00
